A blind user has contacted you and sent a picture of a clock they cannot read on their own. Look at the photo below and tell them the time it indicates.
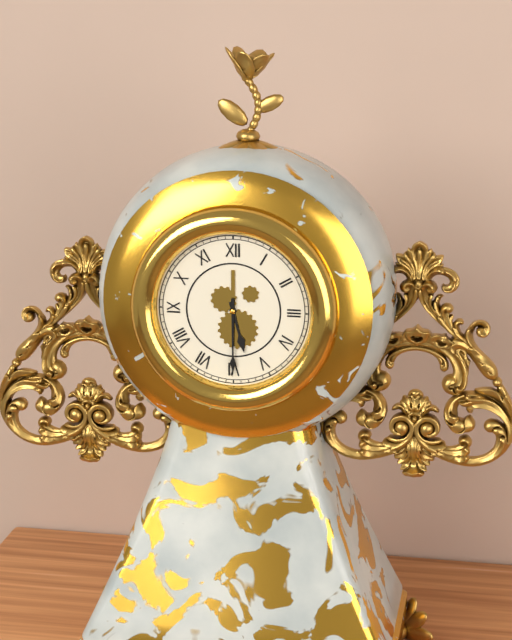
5:30
